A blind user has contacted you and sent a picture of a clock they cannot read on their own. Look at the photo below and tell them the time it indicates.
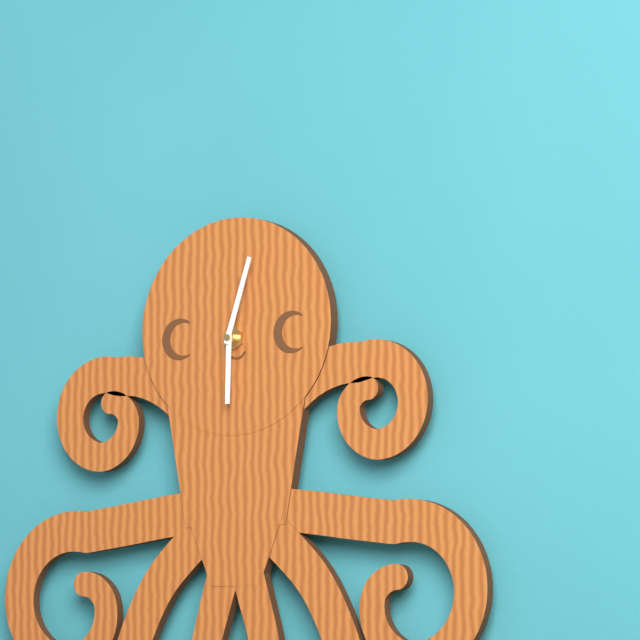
6:03
